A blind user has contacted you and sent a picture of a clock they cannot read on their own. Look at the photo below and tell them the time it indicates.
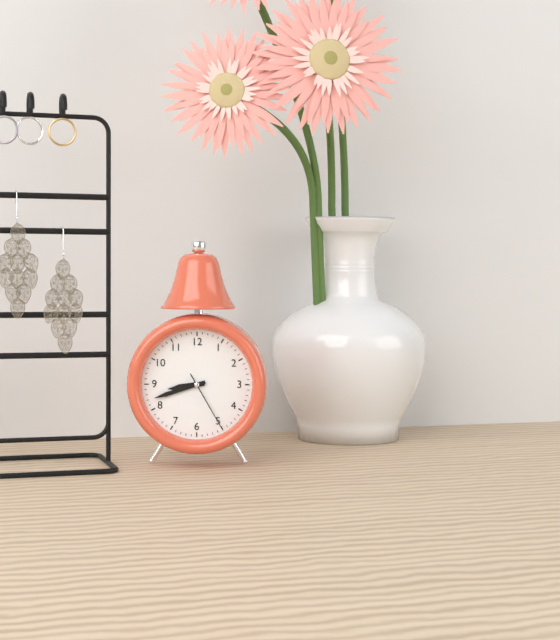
8:42:25
